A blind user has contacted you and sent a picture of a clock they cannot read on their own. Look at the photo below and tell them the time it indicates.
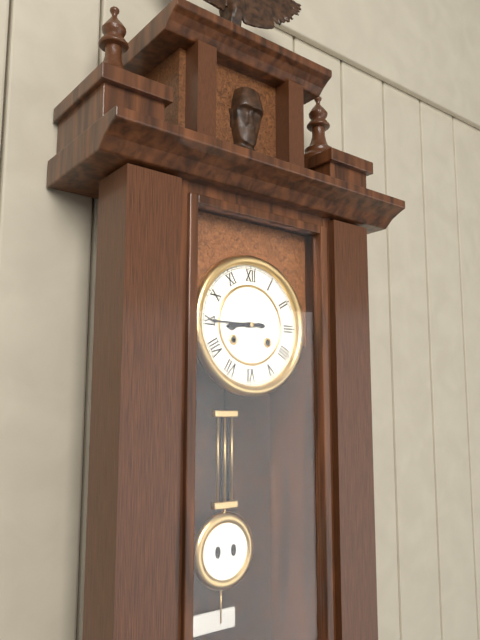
8:45
